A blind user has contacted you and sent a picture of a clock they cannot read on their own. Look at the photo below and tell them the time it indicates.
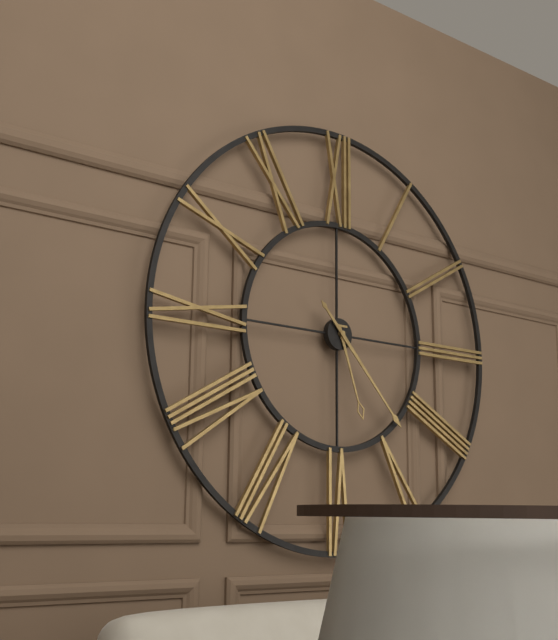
5:23
